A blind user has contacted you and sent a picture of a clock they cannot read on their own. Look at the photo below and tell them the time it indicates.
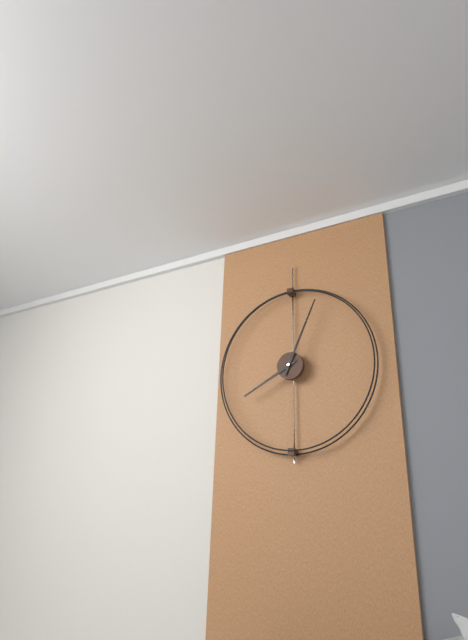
8:04
